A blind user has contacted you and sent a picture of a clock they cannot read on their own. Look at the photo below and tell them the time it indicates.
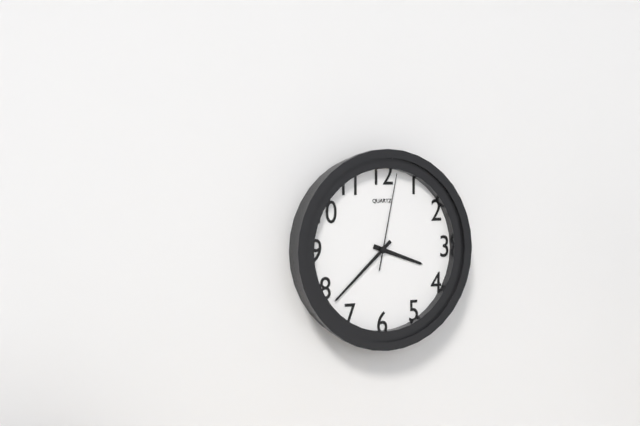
3:38:02
